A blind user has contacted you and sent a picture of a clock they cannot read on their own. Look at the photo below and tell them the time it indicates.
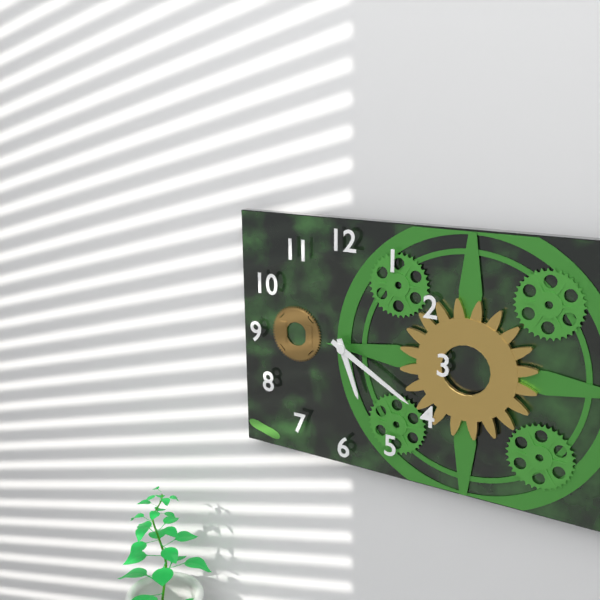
5:20
